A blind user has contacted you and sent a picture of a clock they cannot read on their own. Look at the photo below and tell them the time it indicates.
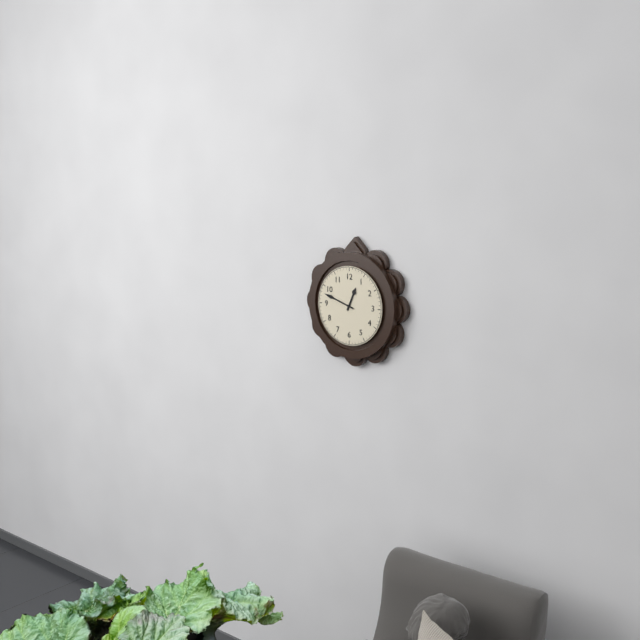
12:48
